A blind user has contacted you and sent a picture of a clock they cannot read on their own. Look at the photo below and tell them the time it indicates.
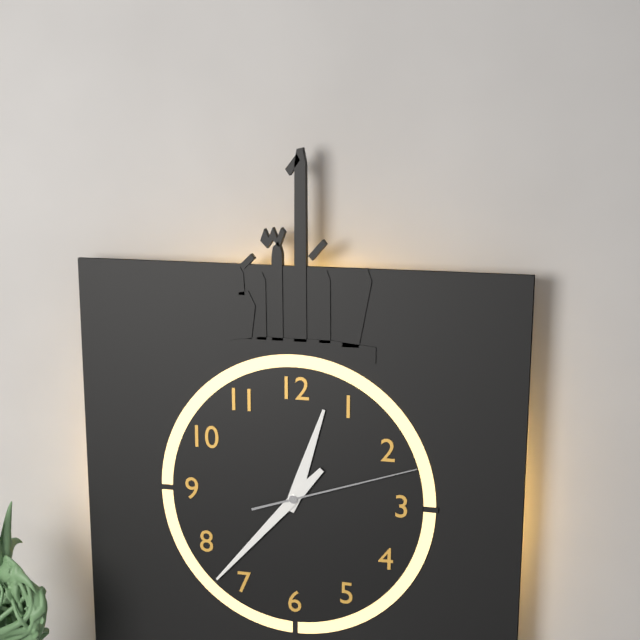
12:37:12
